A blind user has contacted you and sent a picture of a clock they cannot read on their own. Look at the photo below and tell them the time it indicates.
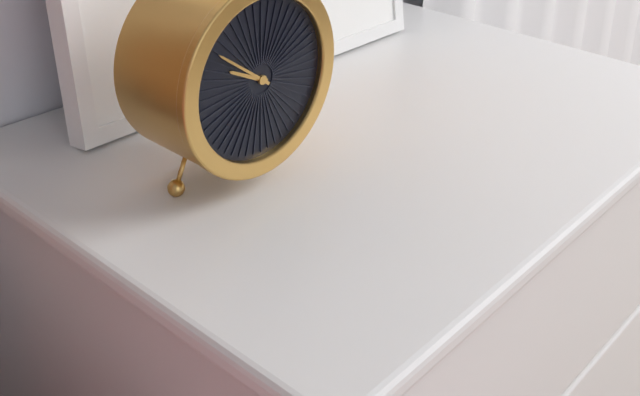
9:51
